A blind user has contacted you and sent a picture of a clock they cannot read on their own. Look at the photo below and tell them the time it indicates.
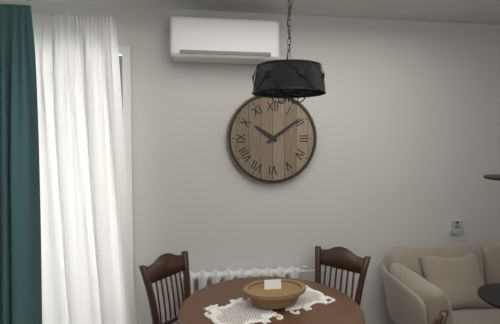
10:09
